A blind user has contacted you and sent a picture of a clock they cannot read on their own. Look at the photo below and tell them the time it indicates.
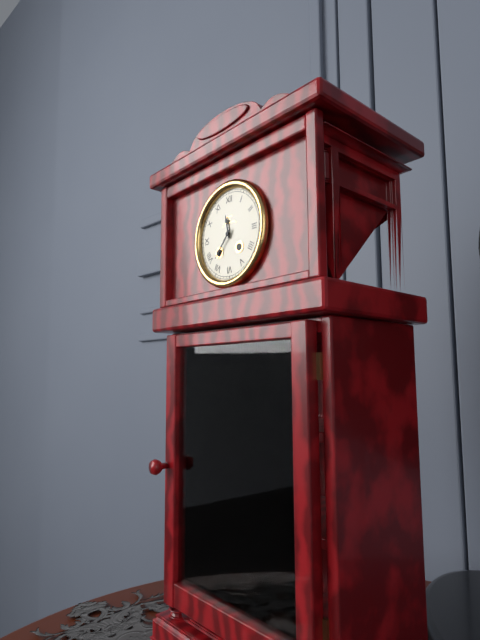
11:37
